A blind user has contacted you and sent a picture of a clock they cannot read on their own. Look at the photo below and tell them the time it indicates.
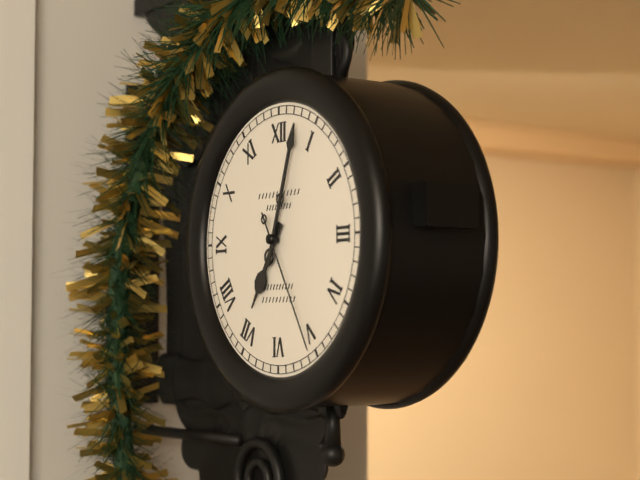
7:03:25
